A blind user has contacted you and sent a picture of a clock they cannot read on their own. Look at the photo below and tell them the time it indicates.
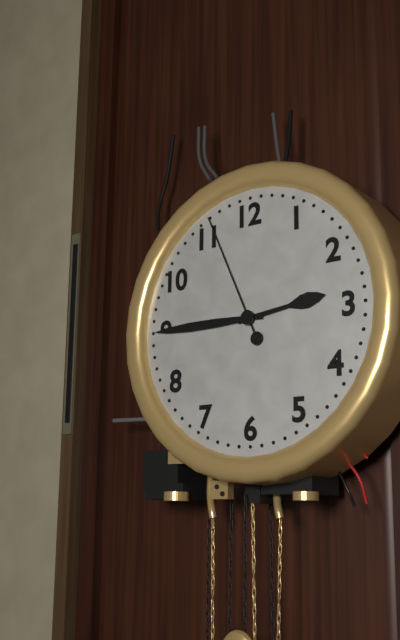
2:45:56
